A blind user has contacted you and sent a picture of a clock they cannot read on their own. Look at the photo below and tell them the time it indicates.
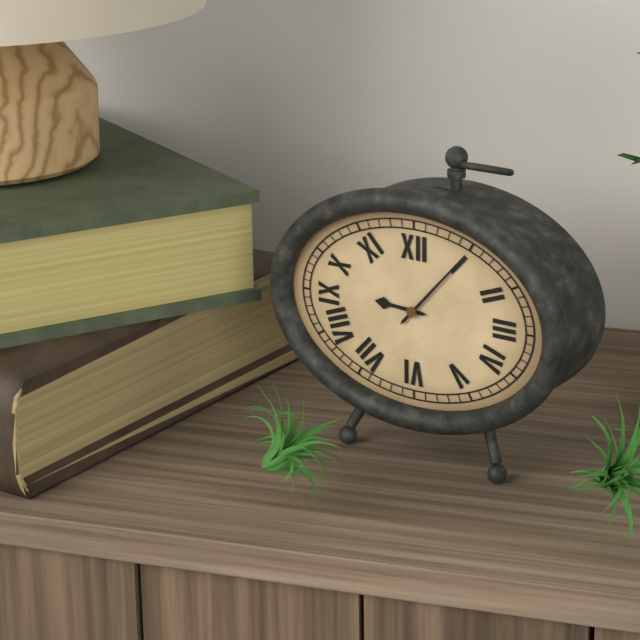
9:07
